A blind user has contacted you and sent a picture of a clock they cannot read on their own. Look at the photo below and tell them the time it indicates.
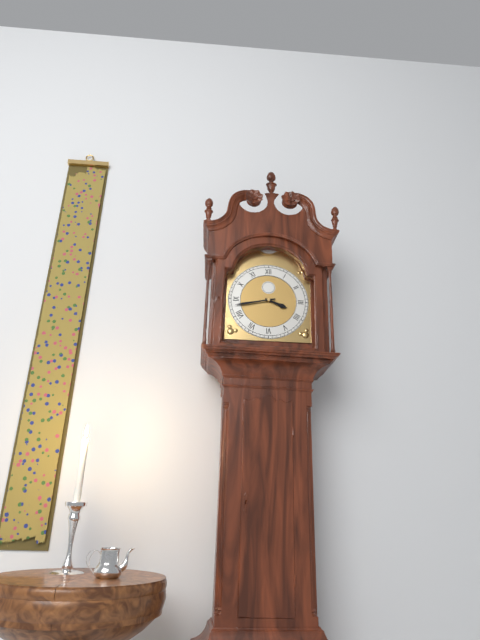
3:43
